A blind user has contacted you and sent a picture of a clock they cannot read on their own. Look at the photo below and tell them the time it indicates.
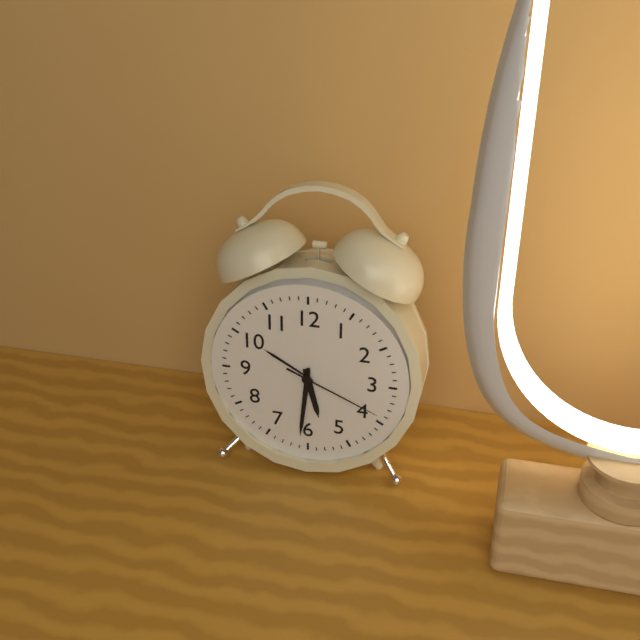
5:31:19
